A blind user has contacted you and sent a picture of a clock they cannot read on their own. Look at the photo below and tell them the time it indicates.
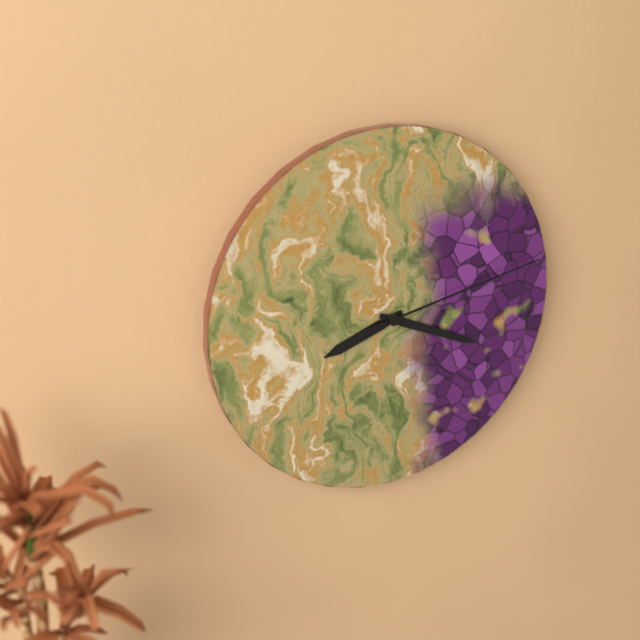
8:19:13
